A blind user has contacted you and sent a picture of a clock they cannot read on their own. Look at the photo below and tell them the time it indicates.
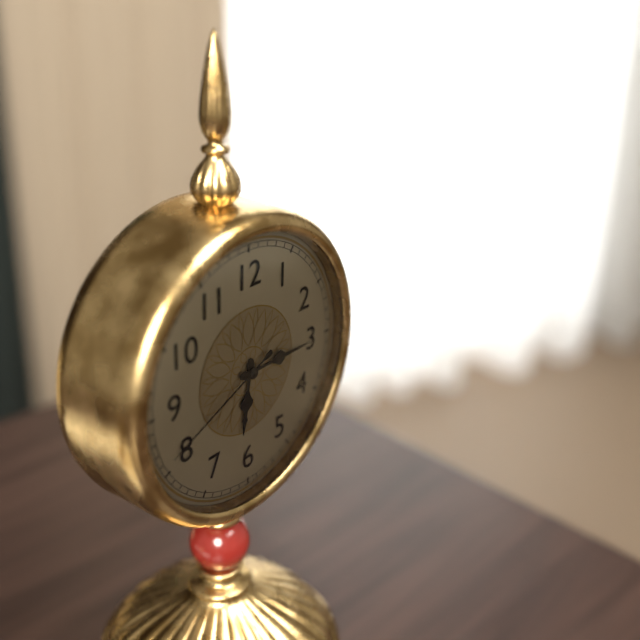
6:15:41
